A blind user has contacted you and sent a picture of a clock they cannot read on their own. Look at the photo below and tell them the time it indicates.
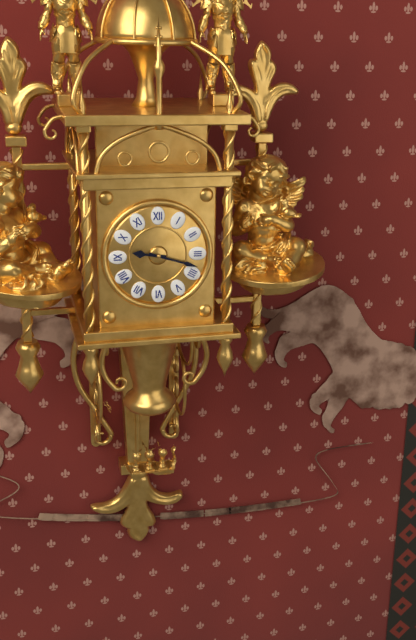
9:18
